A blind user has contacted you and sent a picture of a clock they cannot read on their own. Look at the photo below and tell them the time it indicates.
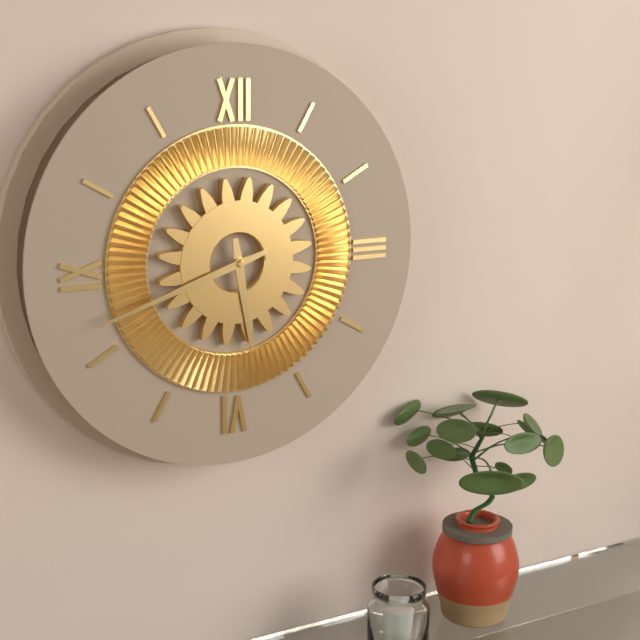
5:42
